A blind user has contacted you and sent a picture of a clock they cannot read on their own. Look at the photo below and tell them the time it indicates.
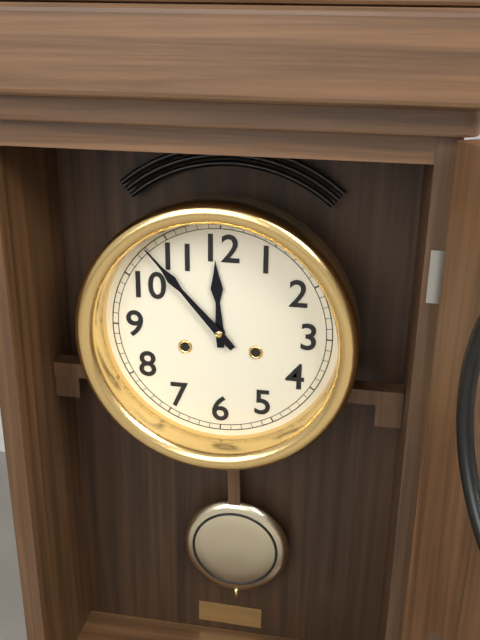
11:53
